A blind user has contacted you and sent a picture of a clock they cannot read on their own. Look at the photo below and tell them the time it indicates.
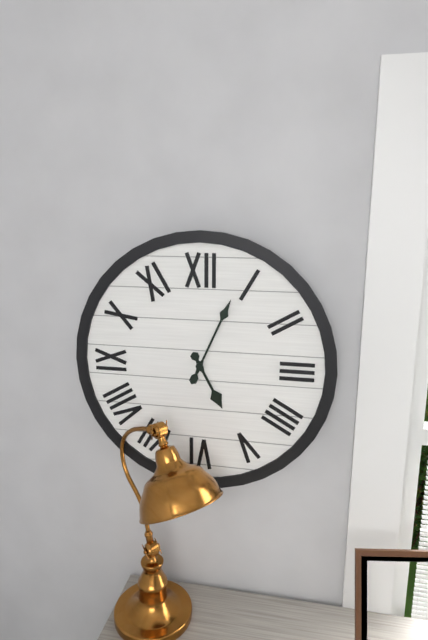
5:04
